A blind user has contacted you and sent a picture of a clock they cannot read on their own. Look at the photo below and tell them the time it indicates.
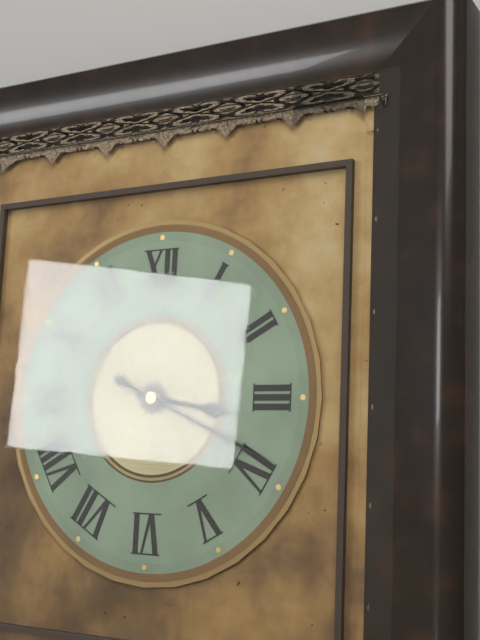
3:19
